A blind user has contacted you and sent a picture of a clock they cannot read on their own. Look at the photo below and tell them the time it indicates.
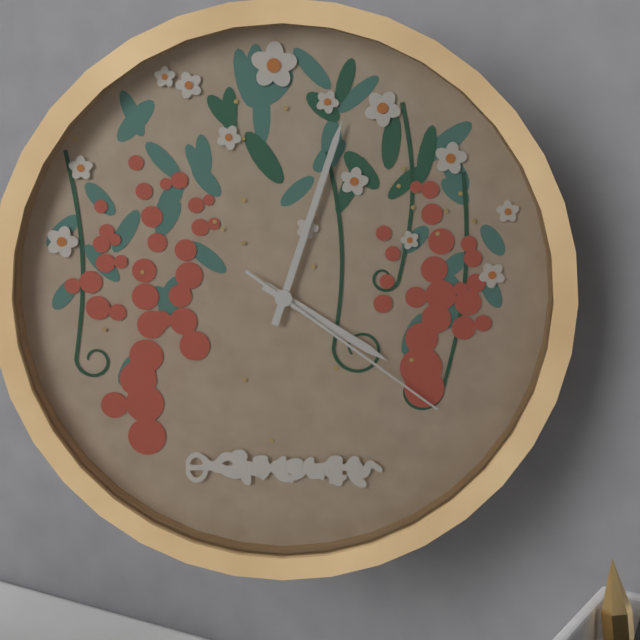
4:03:21
